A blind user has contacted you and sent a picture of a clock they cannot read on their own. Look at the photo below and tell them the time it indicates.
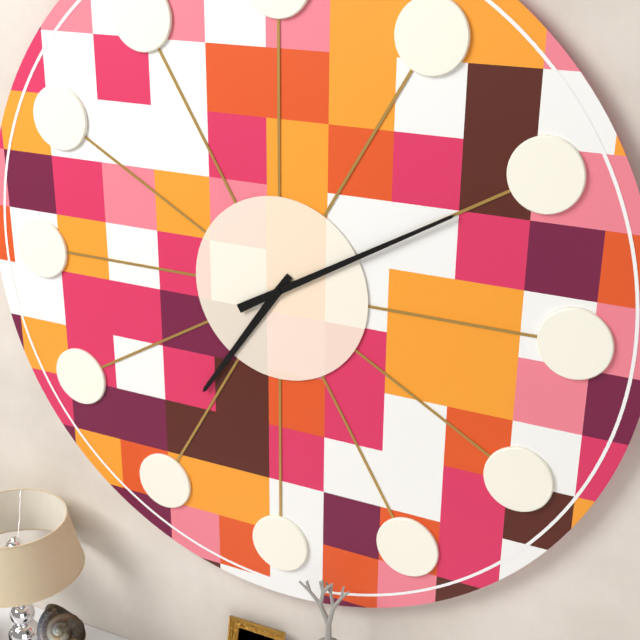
7:10
